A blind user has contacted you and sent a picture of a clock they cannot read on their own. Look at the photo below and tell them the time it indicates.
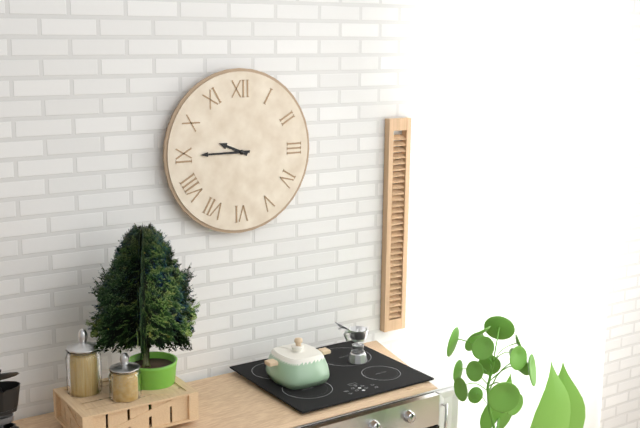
9:45
